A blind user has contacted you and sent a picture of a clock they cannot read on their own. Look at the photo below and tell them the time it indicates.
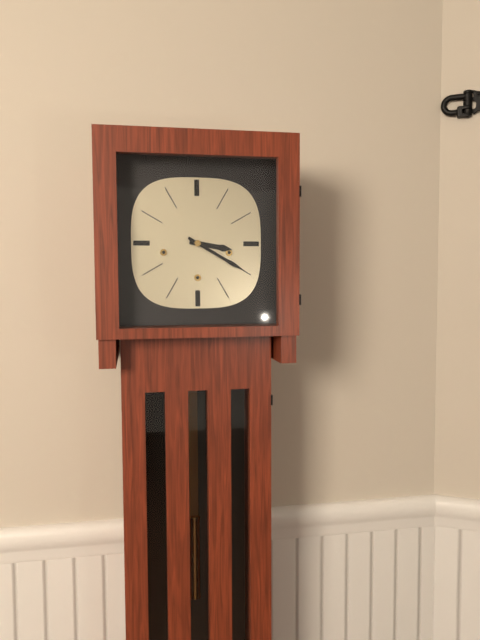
3:20
